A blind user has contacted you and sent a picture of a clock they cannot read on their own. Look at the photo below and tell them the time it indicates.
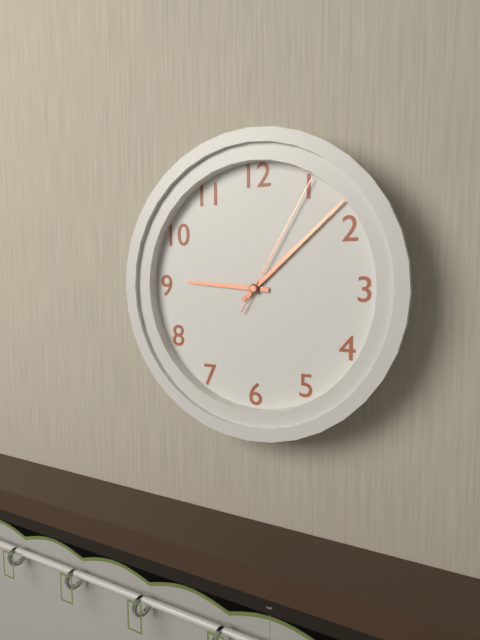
9:08:05
